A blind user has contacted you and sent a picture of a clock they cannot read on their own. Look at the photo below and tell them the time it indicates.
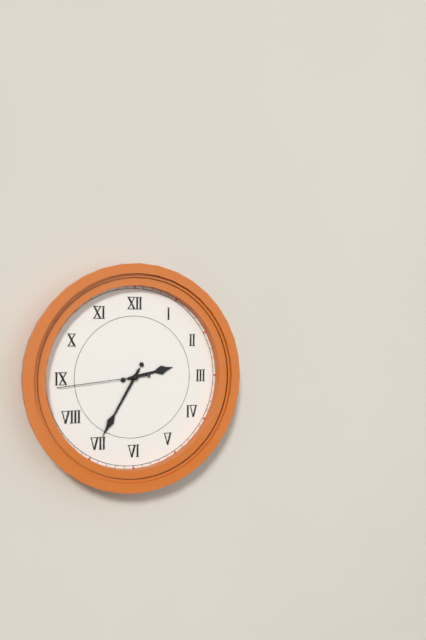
2:35:44
